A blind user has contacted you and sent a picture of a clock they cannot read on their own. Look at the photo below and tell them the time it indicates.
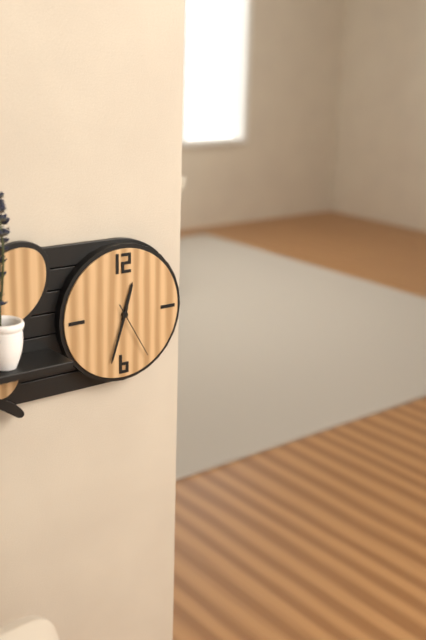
12:33:25
